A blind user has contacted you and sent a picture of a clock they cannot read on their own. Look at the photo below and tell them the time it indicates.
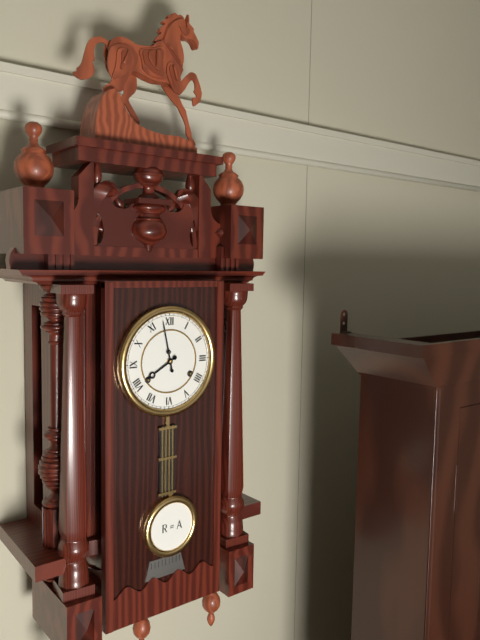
7:58
